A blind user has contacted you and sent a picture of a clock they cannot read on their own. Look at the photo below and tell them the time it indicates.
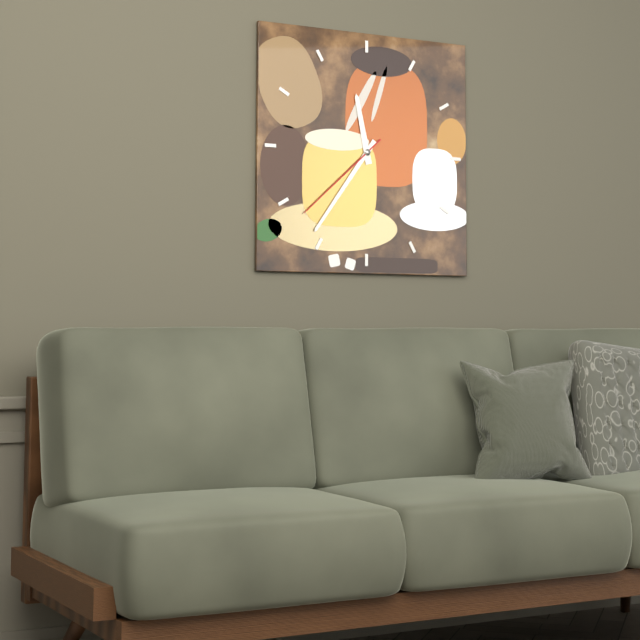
11:36:38
